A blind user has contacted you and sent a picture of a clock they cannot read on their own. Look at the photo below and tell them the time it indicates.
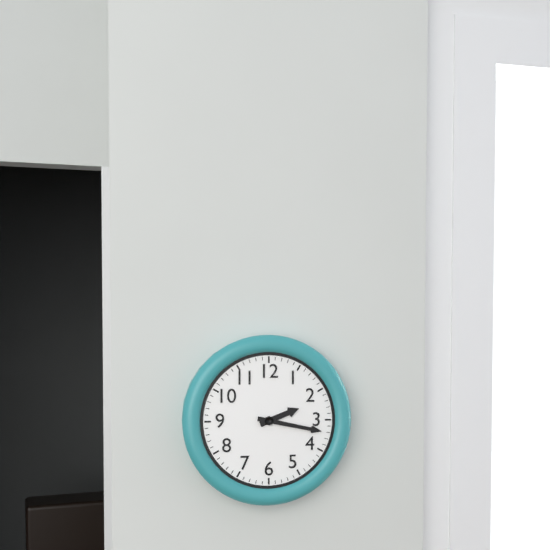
2:17
